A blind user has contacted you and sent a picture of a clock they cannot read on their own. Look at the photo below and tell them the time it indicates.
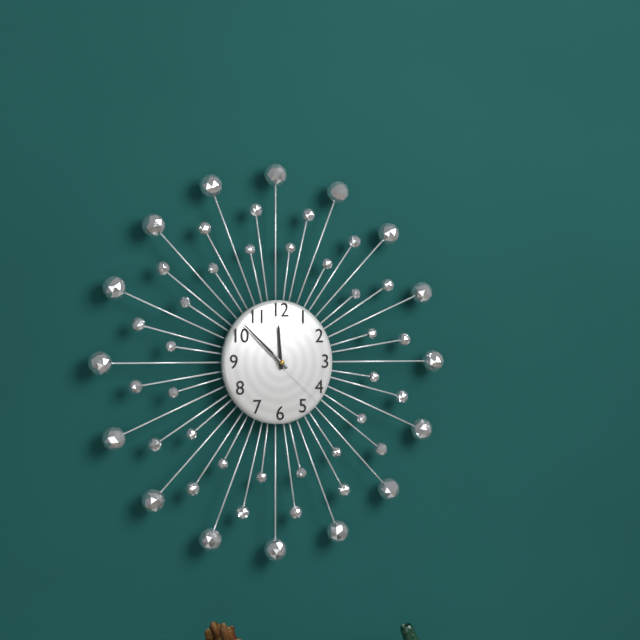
11:52:22
